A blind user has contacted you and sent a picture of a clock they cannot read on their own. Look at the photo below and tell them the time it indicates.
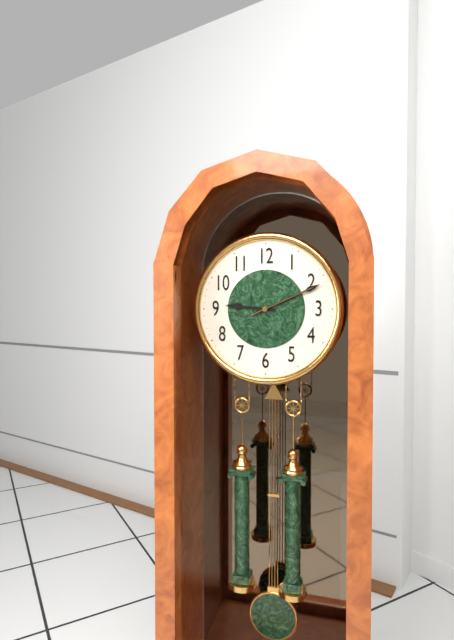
9:11:11
